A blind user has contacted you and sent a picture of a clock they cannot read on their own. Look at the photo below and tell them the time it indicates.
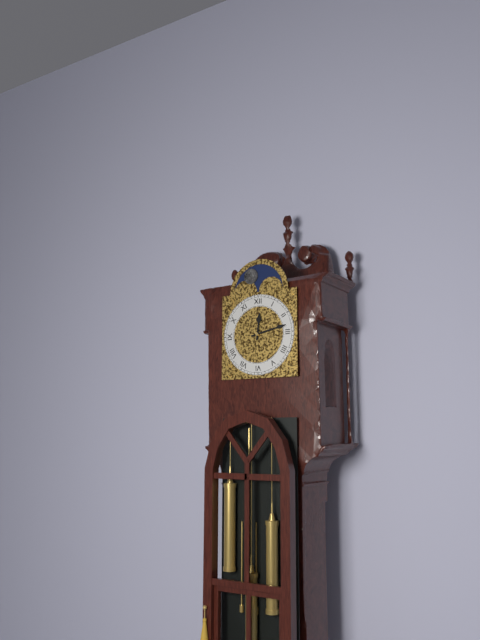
12:13
